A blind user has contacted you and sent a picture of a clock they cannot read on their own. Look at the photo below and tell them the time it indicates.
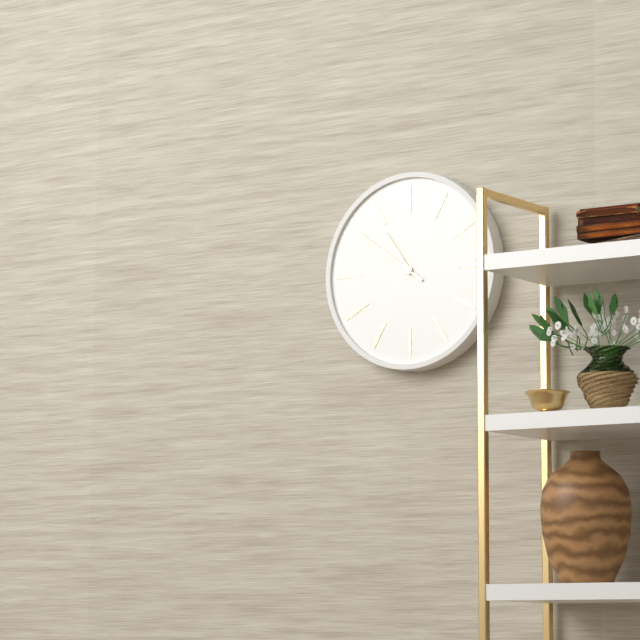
10:51
